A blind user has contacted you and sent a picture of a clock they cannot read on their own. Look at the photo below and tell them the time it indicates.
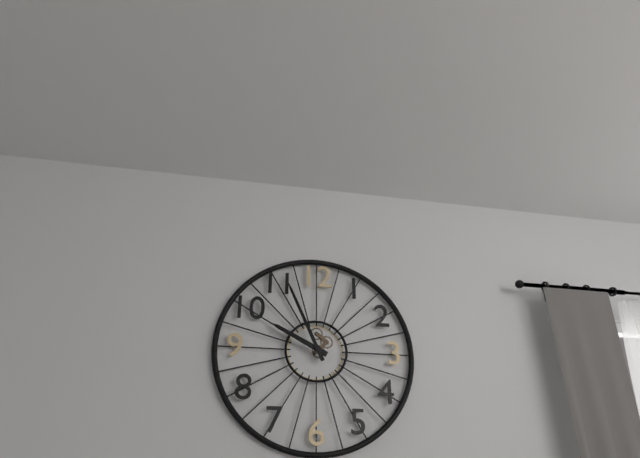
9:56
